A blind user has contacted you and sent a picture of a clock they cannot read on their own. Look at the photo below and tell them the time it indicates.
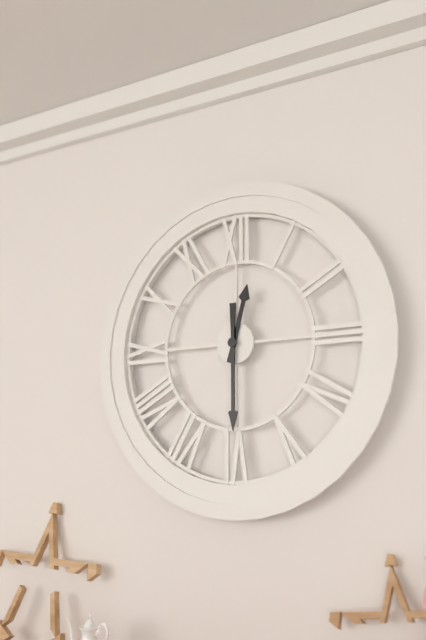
12:30
